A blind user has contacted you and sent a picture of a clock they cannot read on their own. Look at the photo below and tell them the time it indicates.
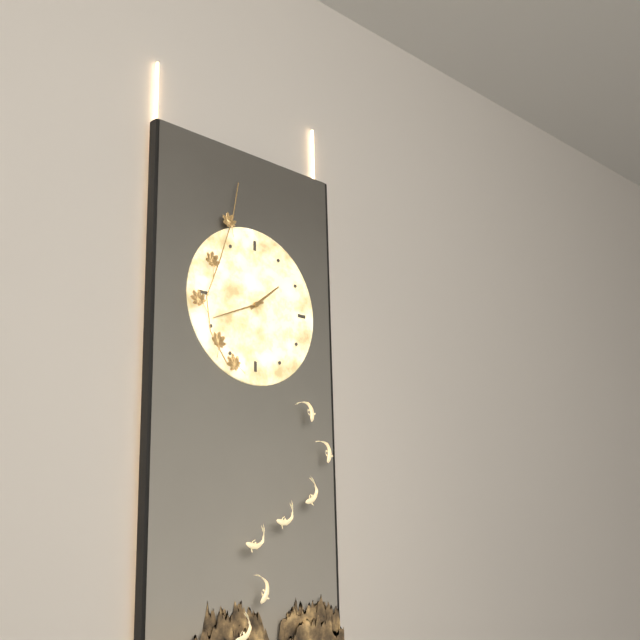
1:41
